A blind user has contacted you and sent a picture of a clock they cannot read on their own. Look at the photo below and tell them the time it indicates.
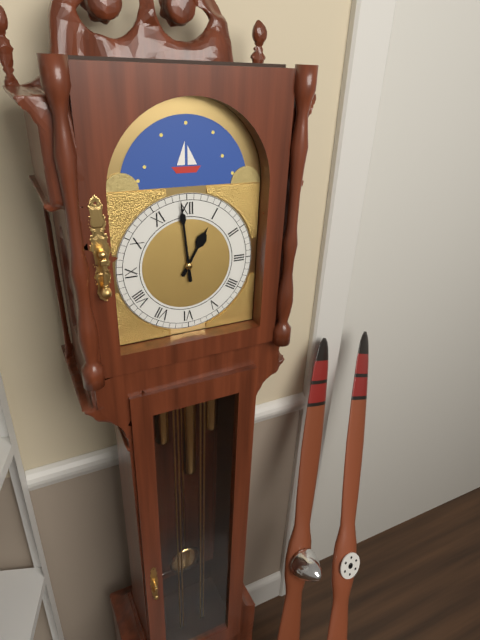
12:59
